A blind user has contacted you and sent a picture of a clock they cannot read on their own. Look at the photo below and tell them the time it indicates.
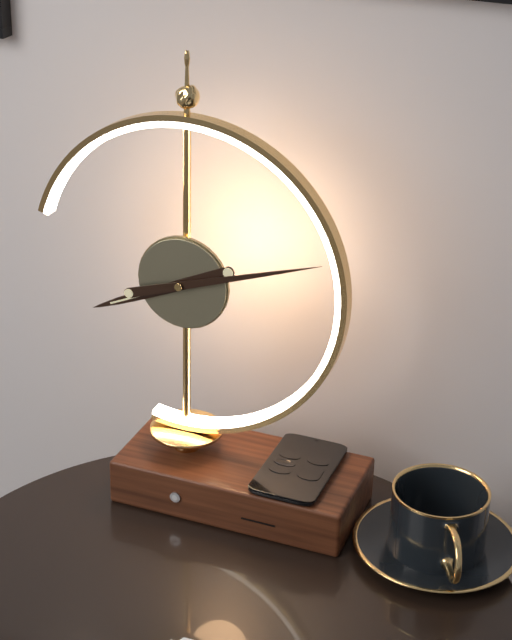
8:12
